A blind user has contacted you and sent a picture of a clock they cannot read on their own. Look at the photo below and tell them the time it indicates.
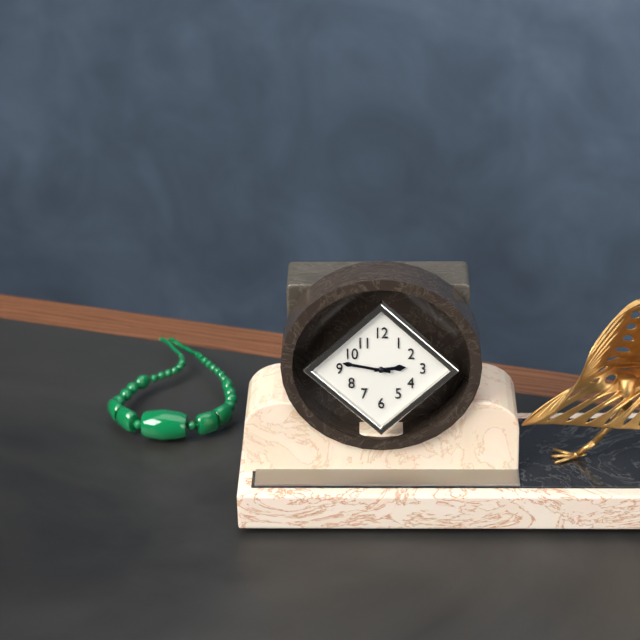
2:47
